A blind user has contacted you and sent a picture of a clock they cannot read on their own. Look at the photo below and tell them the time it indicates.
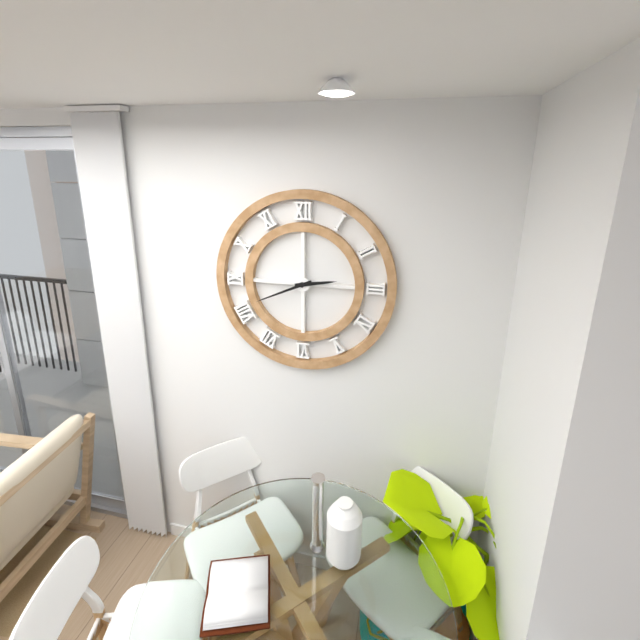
2:41
